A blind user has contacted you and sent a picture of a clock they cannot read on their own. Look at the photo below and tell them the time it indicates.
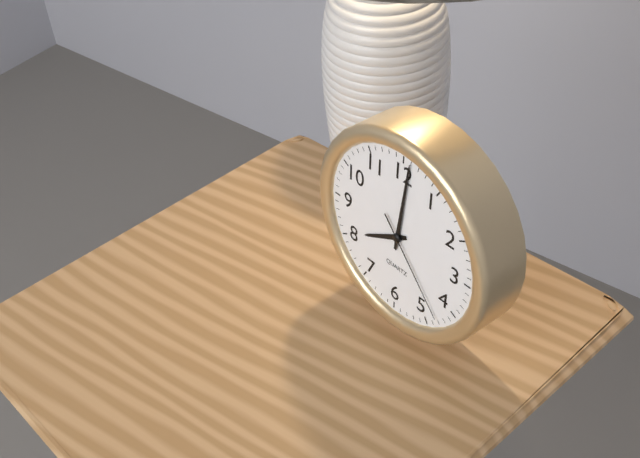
8:01:23
